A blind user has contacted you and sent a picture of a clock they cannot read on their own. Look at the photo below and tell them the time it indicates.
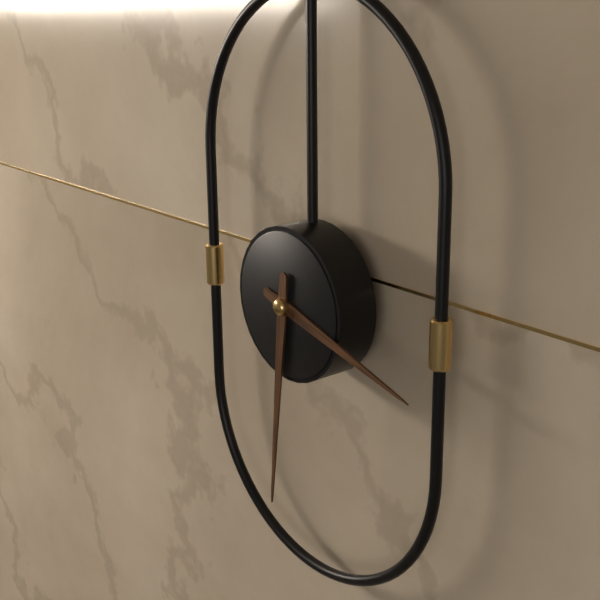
3:31
